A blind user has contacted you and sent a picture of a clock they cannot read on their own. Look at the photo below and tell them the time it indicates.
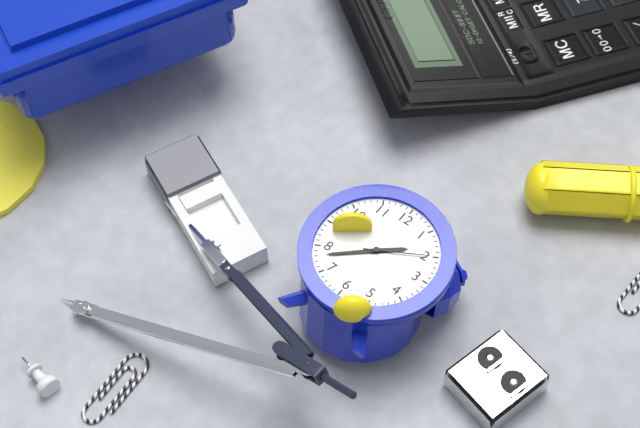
1:38:10
